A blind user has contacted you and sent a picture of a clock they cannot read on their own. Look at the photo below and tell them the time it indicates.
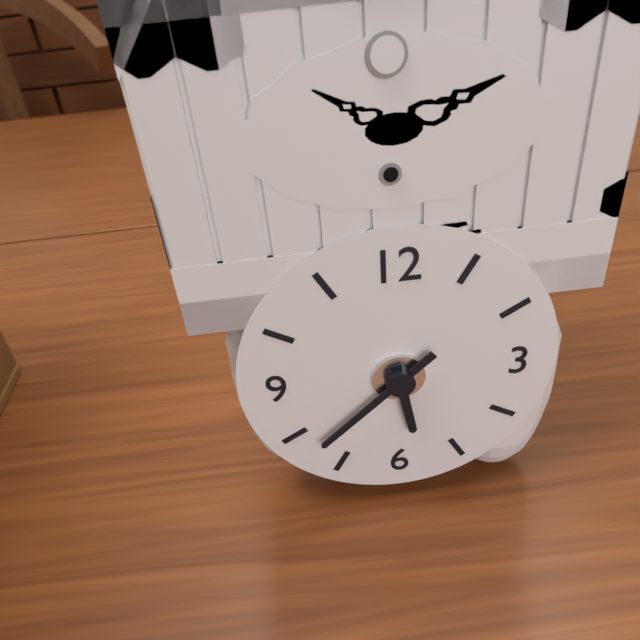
5:38
